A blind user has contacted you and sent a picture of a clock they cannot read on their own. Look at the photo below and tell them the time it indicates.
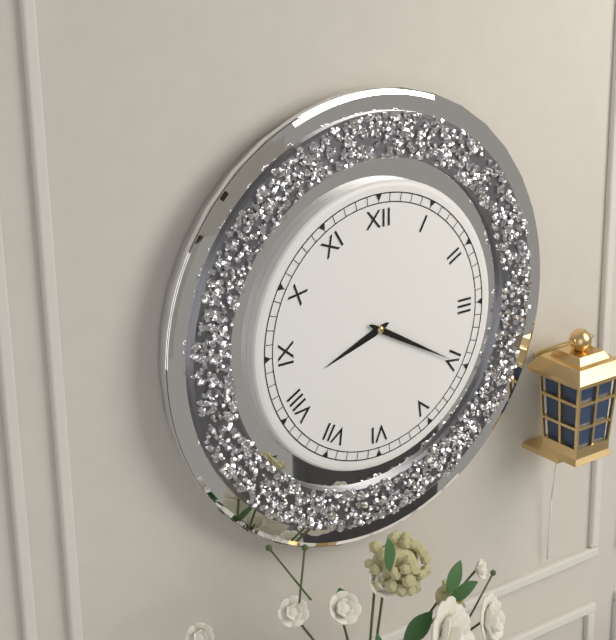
8:20
